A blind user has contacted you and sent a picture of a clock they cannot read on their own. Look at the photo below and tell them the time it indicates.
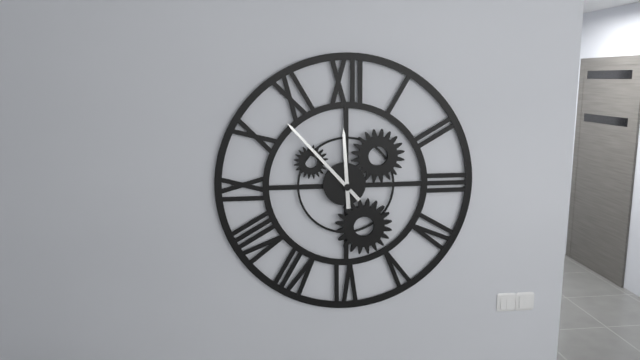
11:53
